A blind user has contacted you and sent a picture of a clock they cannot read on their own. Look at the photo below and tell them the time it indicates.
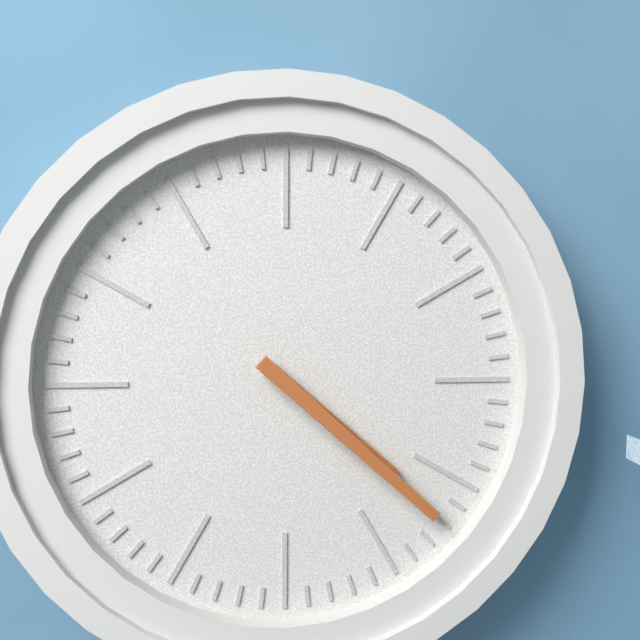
4:22
